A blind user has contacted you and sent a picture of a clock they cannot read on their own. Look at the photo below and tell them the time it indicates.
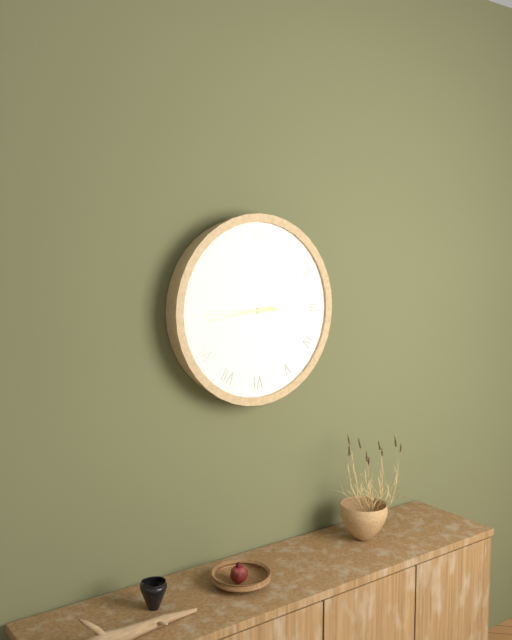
8:45
